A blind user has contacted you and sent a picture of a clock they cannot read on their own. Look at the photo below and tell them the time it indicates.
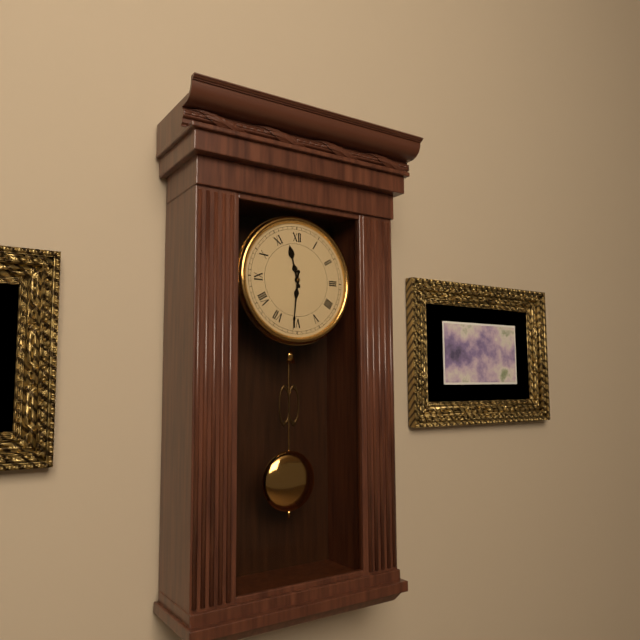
11:31
